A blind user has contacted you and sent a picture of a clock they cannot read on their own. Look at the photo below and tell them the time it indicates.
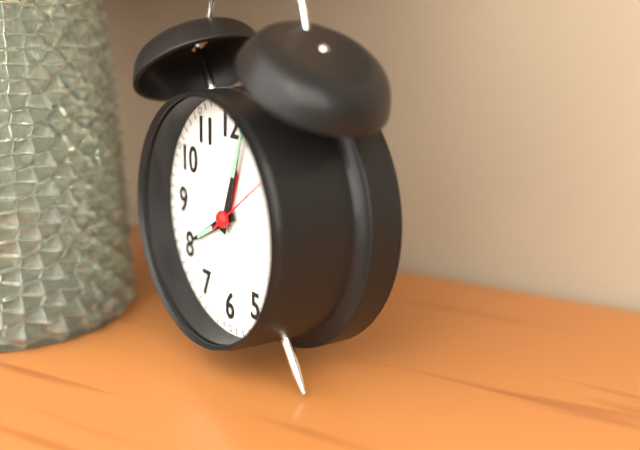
8:03
